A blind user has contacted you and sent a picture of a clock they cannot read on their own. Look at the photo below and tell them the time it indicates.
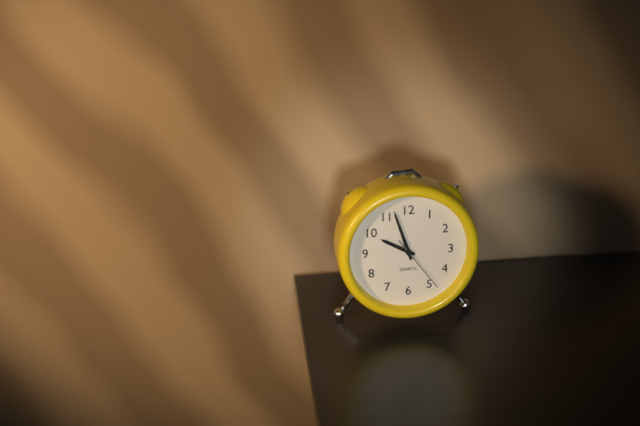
9:57:24
